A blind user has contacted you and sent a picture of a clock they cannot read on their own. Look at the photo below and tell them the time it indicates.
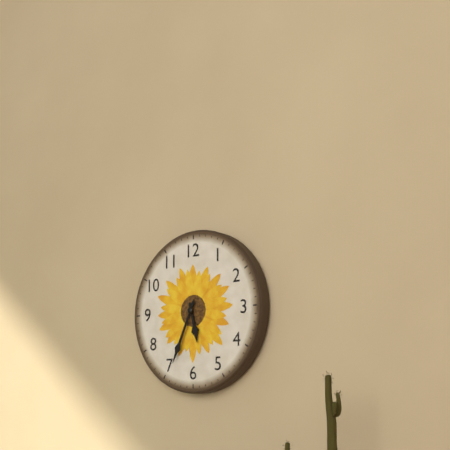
5:34
